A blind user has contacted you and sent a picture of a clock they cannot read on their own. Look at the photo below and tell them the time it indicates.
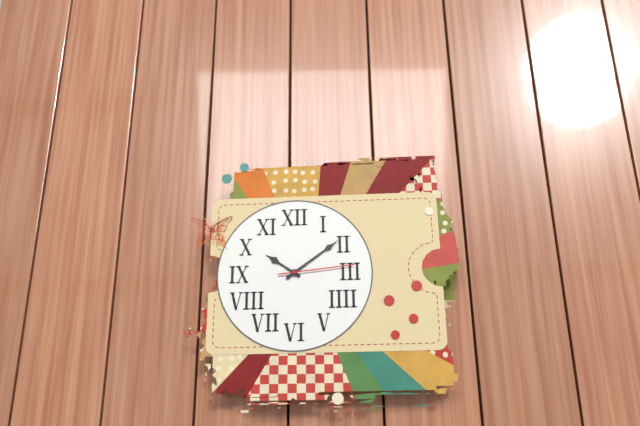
10:09:14
